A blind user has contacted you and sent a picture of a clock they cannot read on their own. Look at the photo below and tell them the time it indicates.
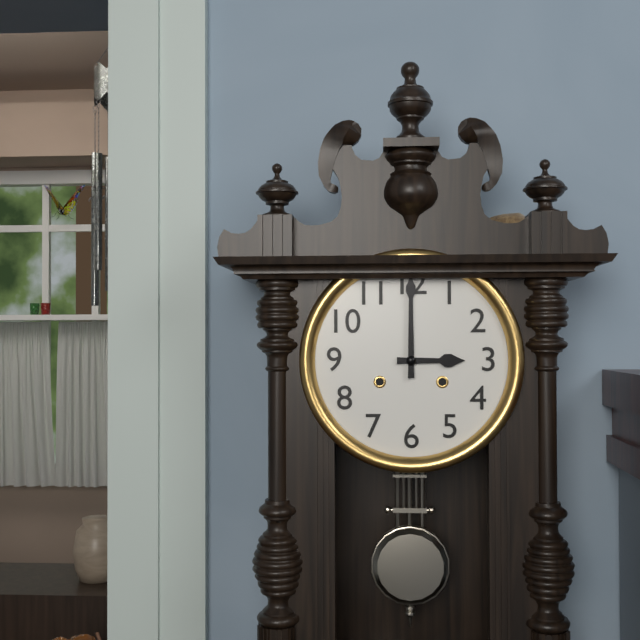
3:00
